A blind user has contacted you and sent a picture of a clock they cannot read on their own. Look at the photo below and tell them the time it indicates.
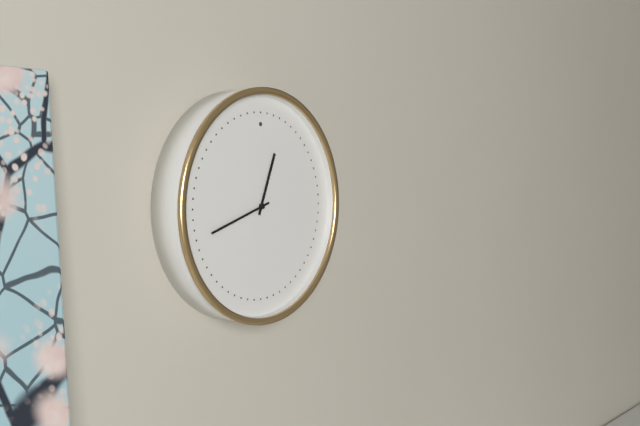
12:42
